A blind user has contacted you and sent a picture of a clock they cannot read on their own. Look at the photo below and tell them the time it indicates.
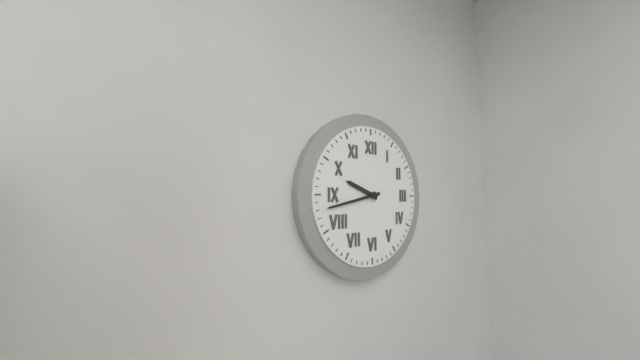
9:43
